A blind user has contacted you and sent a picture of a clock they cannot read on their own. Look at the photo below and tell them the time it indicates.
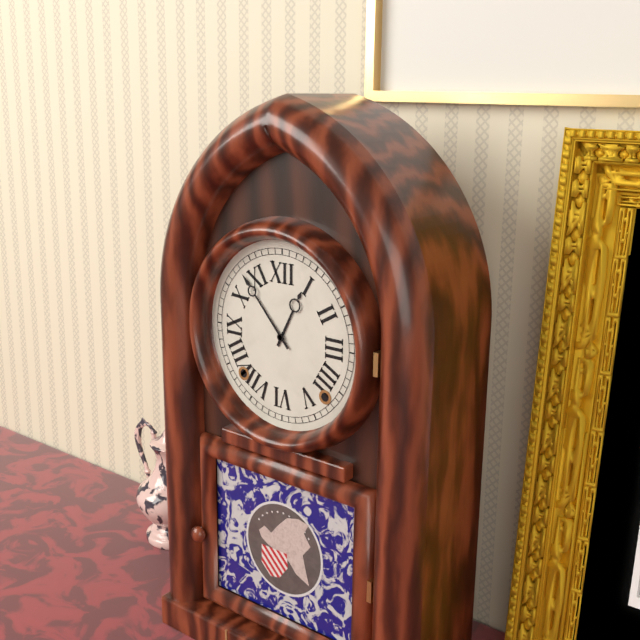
12:53
